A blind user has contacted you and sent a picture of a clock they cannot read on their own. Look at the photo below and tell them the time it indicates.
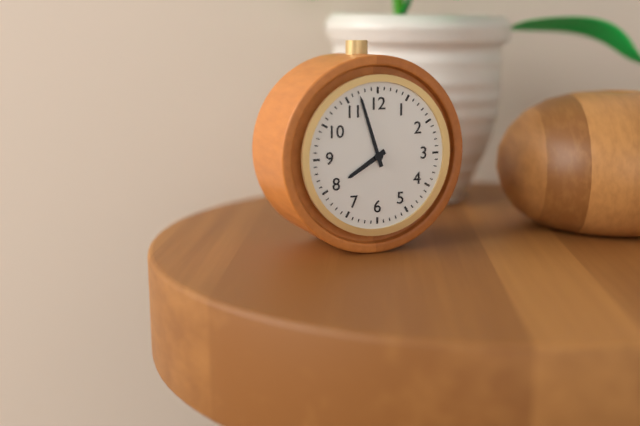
7:57
